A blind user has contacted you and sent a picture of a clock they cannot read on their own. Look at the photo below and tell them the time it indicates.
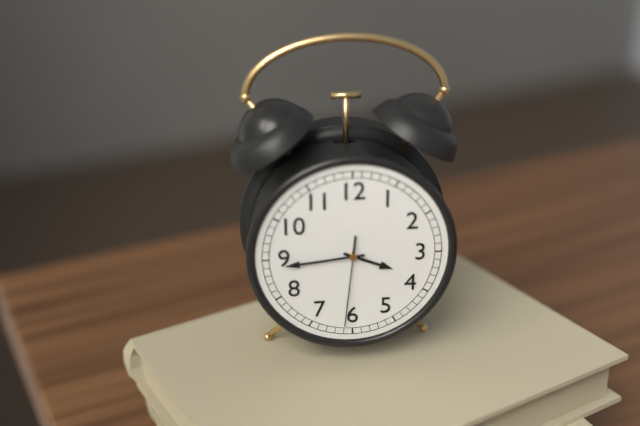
3:44:31
